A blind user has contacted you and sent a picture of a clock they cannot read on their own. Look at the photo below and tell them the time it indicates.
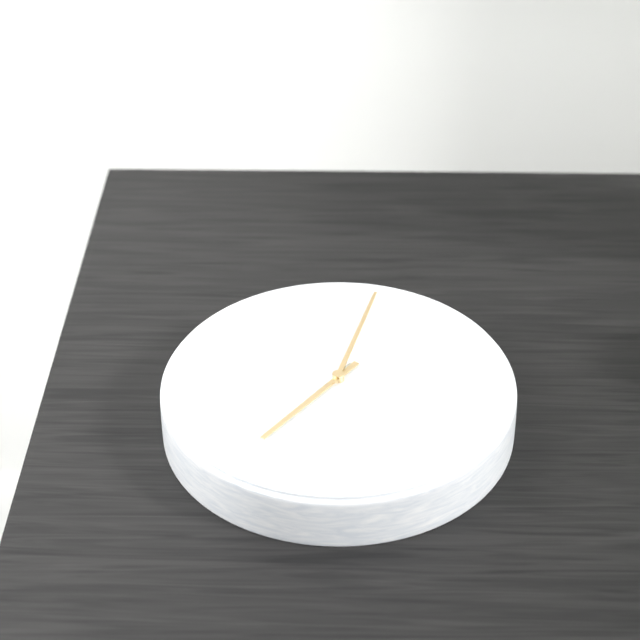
5:56
